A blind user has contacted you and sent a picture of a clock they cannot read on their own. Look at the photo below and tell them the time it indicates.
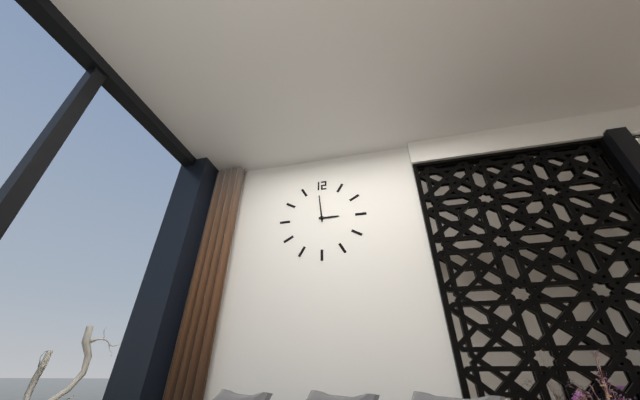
2:59
